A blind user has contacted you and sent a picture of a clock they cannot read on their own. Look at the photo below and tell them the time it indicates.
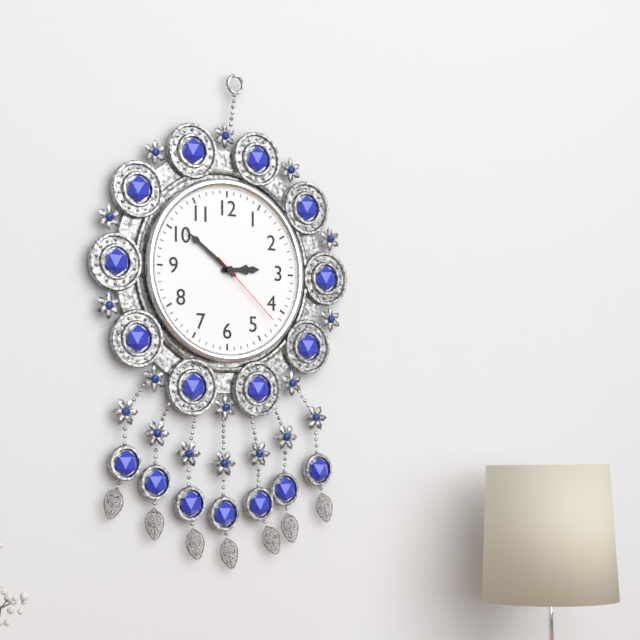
2:51:22
